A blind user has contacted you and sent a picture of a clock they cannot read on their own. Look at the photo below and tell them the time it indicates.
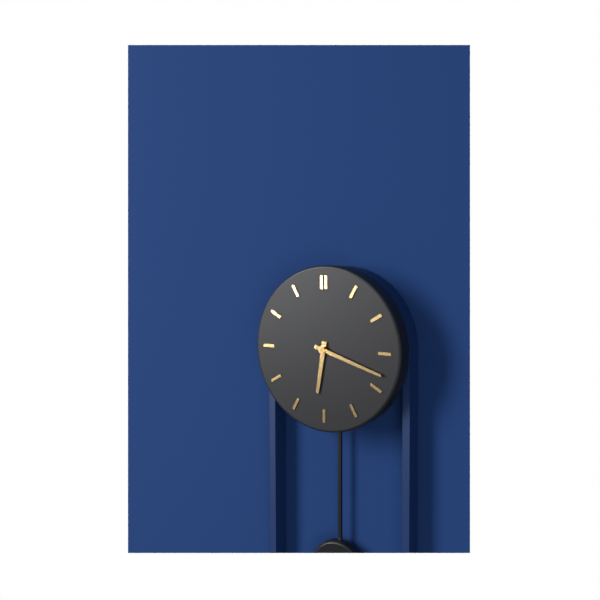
6:18
